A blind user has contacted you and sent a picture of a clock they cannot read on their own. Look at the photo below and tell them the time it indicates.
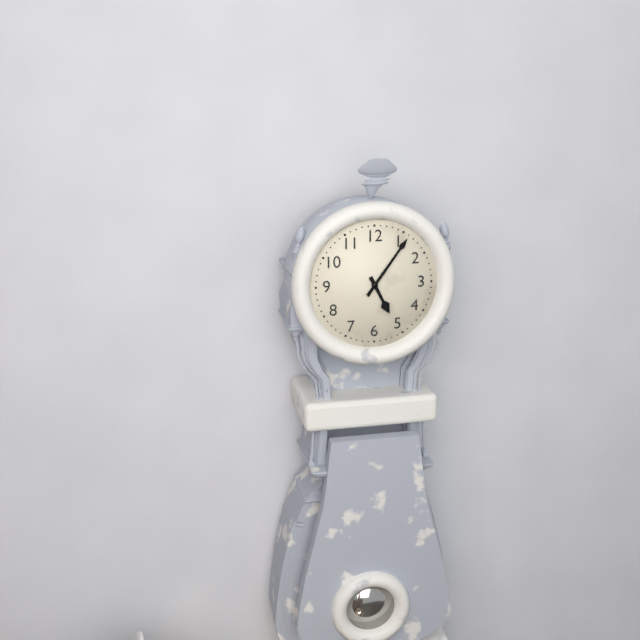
5:06
